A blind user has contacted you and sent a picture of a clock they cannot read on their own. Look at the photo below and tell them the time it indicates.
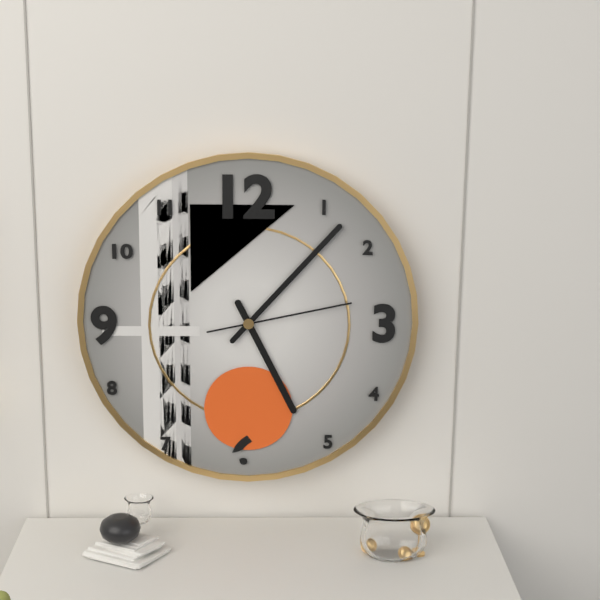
5:07:13
